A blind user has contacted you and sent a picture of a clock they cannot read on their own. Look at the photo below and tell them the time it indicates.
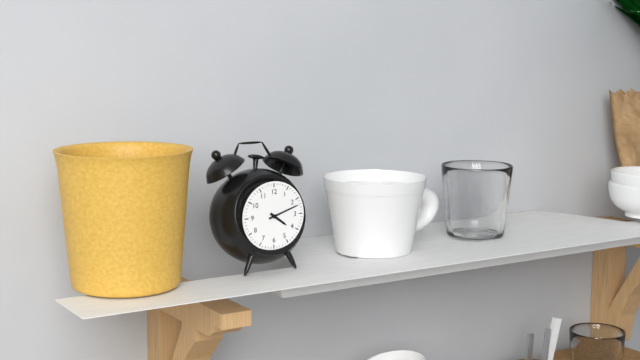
4:12
